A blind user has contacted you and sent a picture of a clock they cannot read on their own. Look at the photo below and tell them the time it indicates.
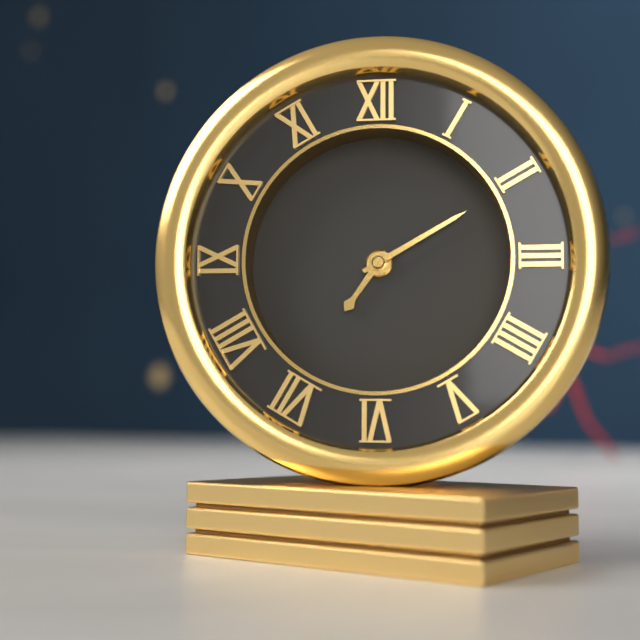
7:10
